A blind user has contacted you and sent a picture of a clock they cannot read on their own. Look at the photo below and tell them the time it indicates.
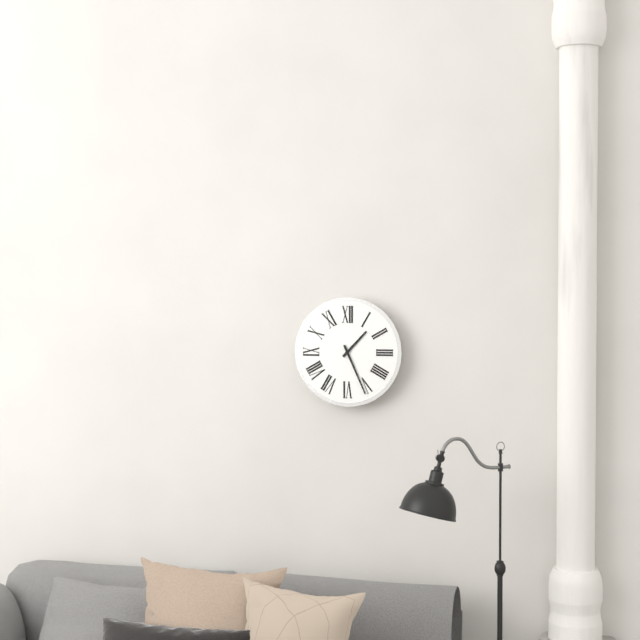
1:26
